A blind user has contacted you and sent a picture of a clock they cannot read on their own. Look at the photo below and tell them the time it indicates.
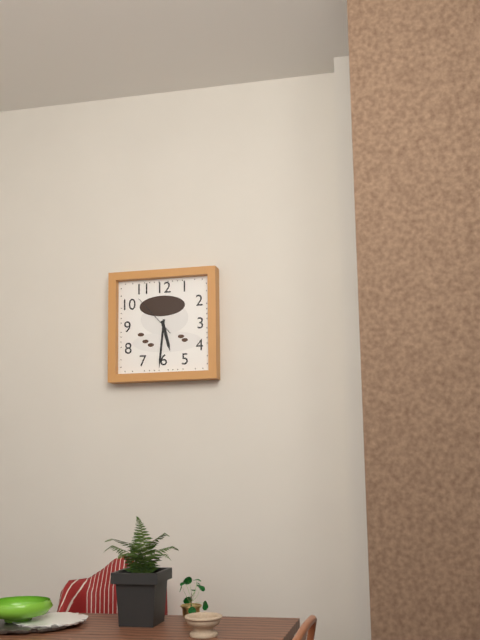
5:31
